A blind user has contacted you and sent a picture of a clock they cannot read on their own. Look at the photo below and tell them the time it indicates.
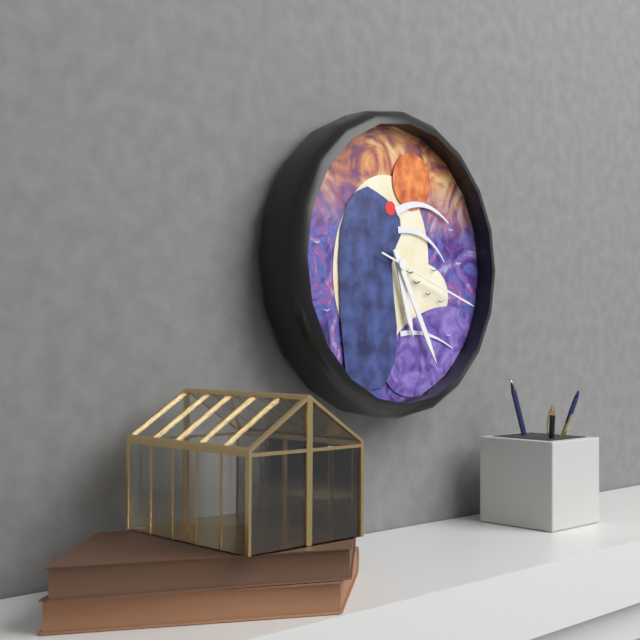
5:25:18
